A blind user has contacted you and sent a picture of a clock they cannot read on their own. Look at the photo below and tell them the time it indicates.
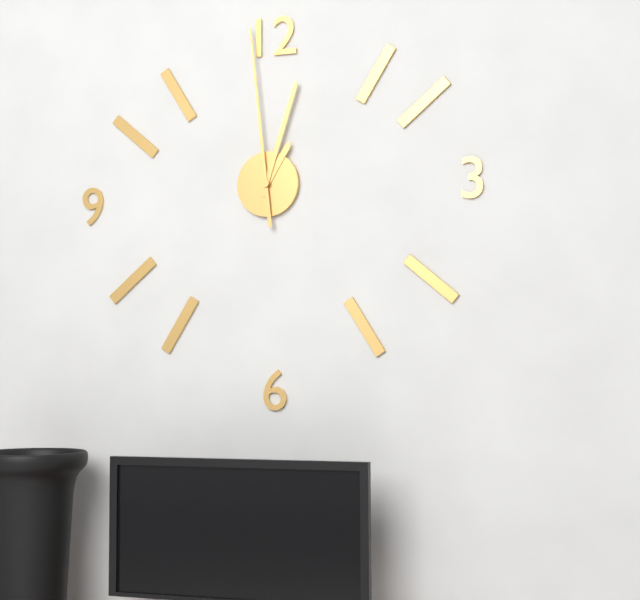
1:03:59
